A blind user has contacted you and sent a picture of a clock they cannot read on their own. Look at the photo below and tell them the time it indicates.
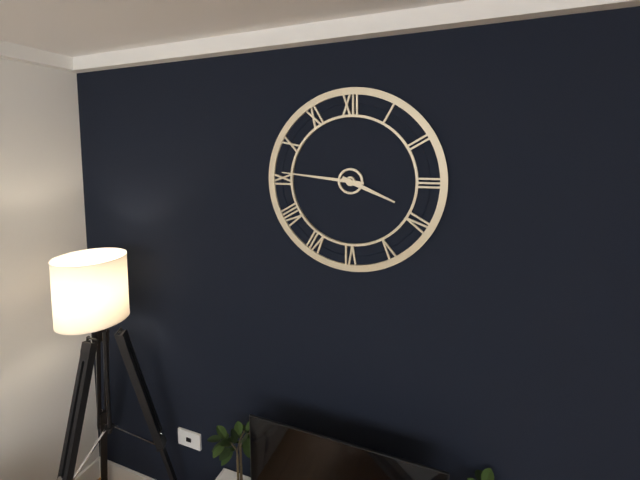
3:46
